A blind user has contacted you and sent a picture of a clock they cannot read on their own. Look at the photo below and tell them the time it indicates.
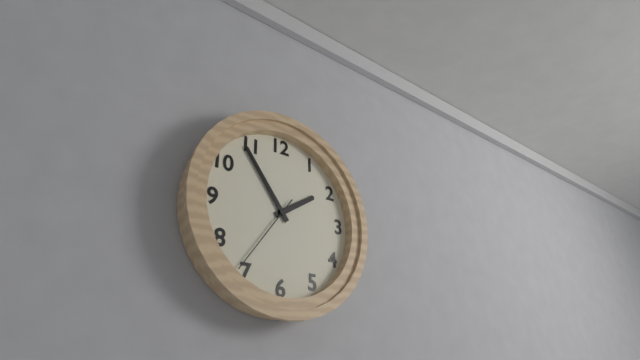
1:54:36
